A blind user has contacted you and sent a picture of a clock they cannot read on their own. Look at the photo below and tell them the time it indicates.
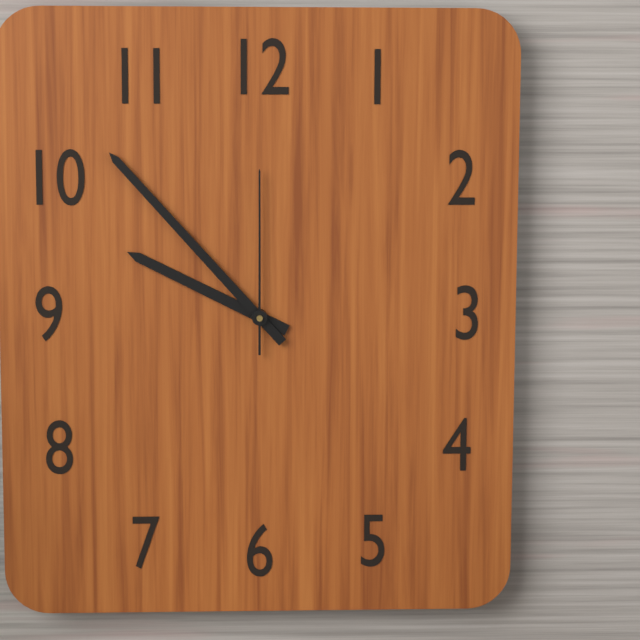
9:53:00
